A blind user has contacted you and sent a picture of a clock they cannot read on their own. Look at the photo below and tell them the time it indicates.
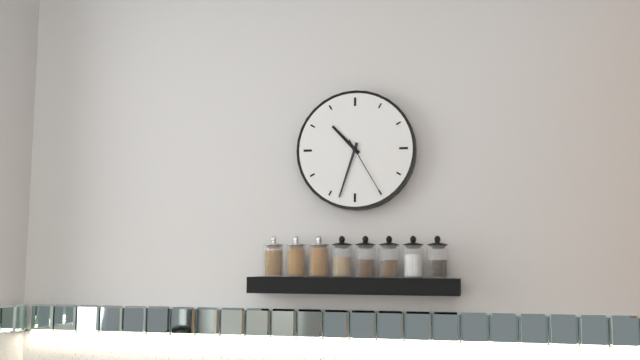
10:33:25
